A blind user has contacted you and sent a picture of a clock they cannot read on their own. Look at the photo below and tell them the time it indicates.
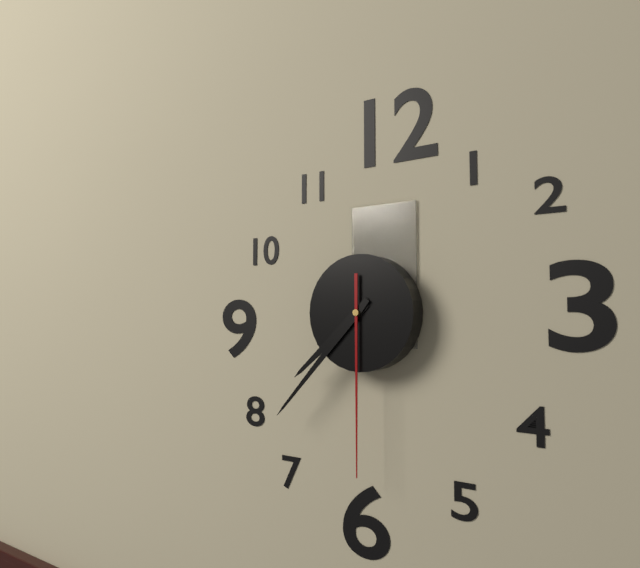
7:37:30
